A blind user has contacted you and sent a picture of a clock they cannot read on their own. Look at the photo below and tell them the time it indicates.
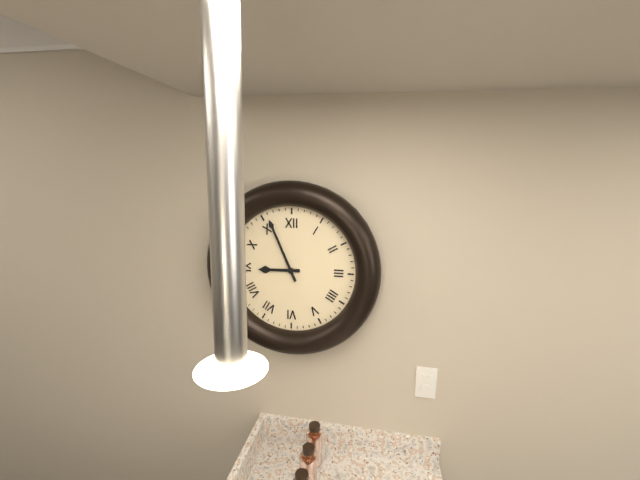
8:56
